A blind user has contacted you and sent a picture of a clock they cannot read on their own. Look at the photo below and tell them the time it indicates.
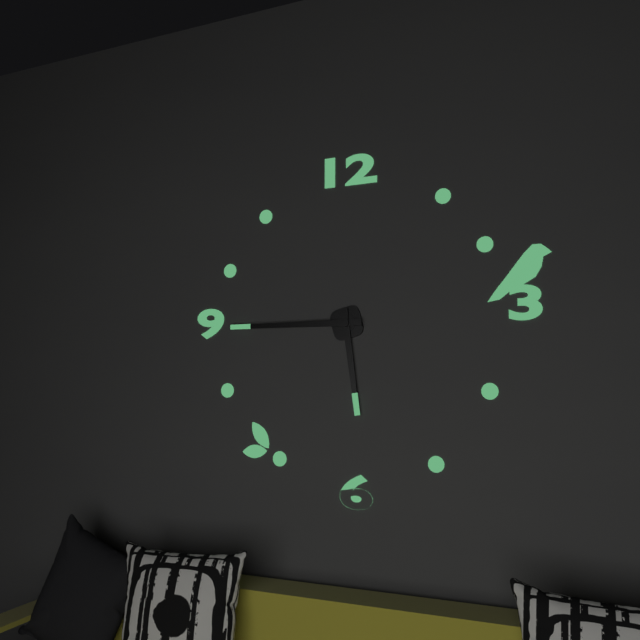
5:45
